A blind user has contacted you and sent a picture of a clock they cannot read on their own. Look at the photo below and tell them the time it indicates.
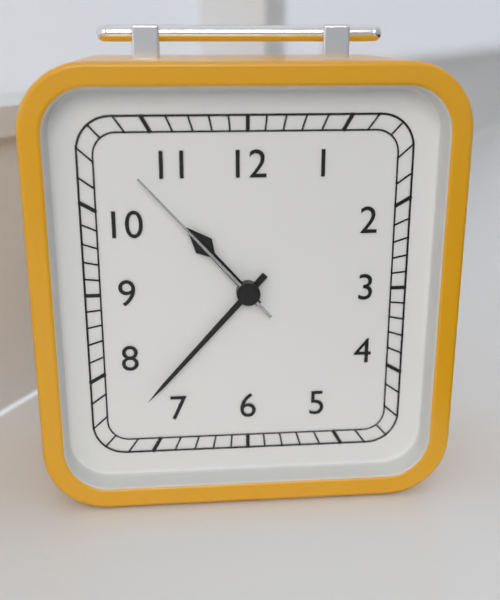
10:37:53
